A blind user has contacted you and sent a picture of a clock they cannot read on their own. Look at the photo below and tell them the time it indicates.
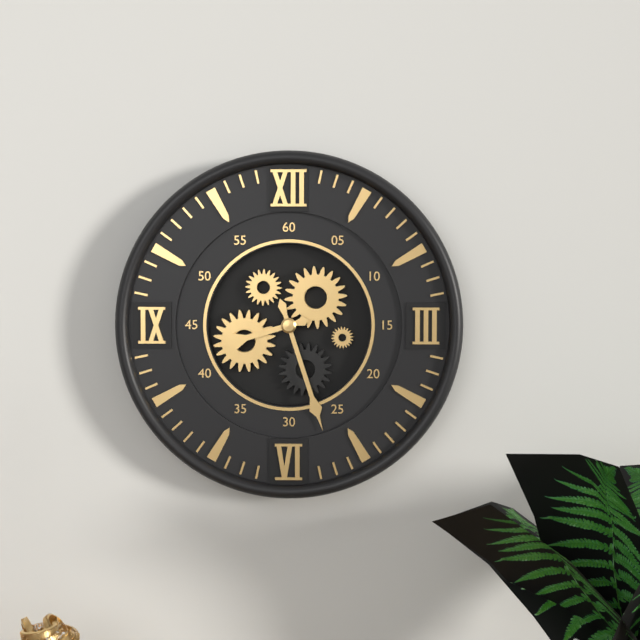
8:27
